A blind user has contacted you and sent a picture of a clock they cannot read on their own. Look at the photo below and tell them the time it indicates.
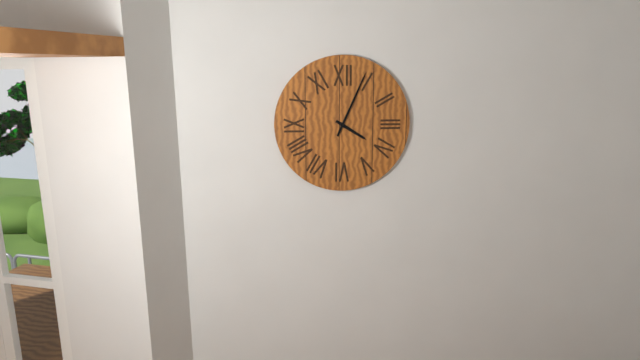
4:04
